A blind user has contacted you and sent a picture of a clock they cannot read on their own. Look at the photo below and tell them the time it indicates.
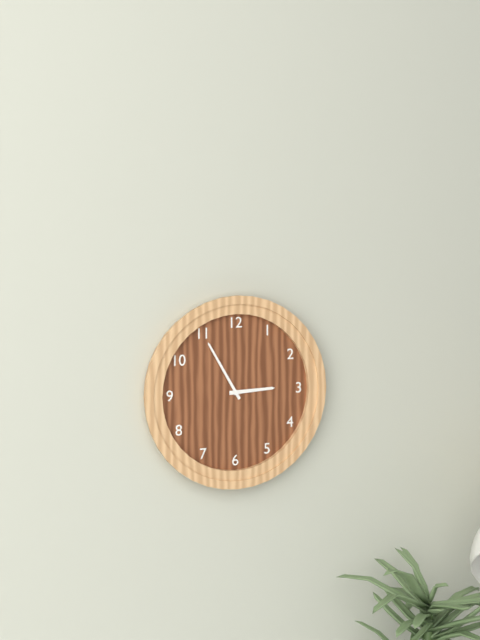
2:55
